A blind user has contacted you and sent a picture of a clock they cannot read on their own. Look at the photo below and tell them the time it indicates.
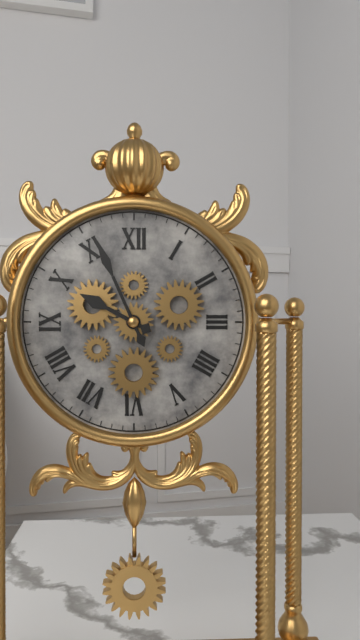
9:56
